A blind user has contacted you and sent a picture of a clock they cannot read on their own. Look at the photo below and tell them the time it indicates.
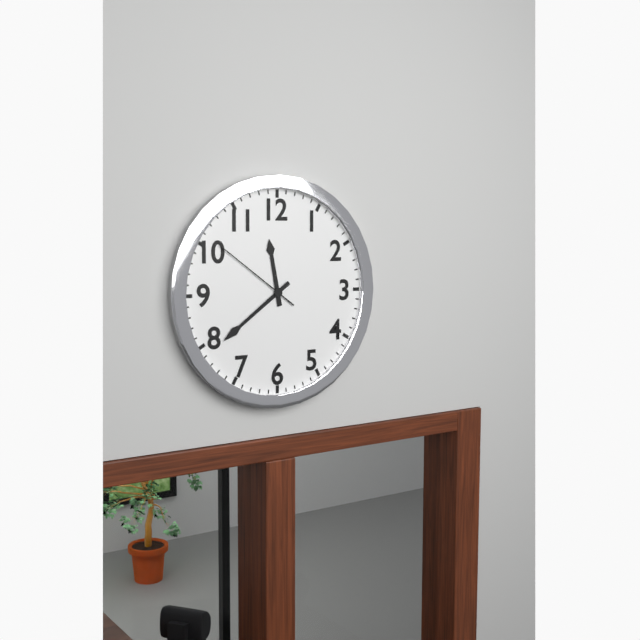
11:39:51
